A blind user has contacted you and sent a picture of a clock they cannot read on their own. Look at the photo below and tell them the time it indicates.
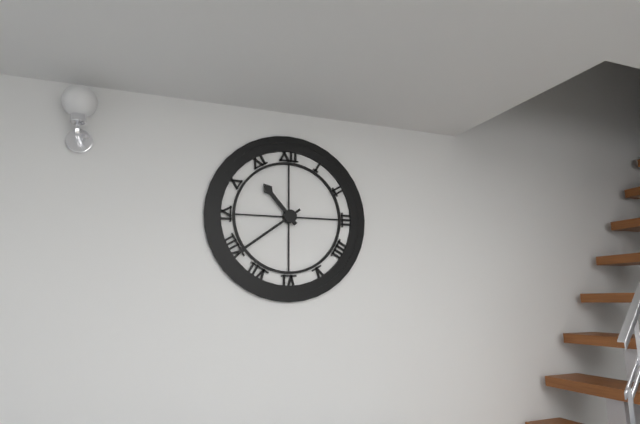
10:39
